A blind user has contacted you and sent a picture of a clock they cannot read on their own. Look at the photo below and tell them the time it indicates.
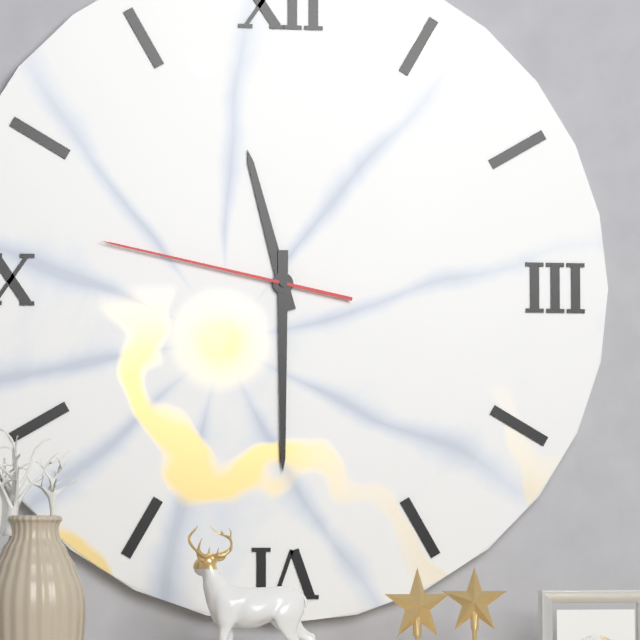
11:30:47
